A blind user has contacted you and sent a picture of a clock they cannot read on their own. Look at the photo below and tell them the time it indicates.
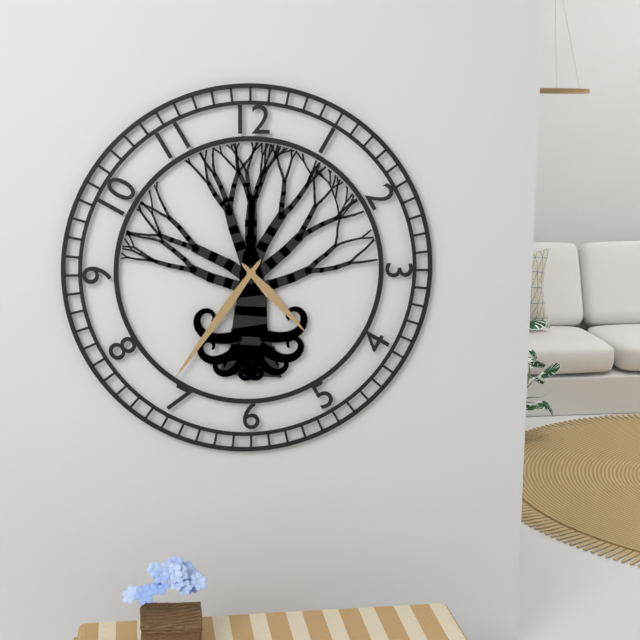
4:36
